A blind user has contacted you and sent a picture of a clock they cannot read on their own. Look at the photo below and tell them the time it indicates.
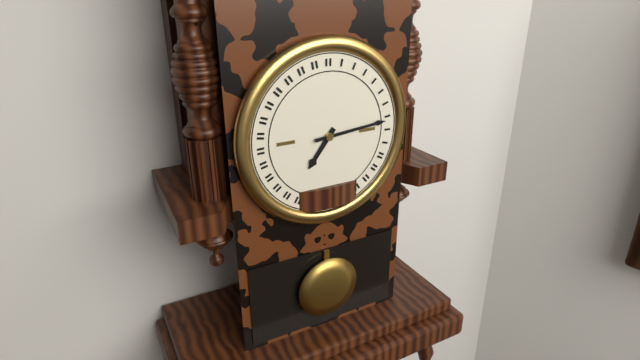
7:14
